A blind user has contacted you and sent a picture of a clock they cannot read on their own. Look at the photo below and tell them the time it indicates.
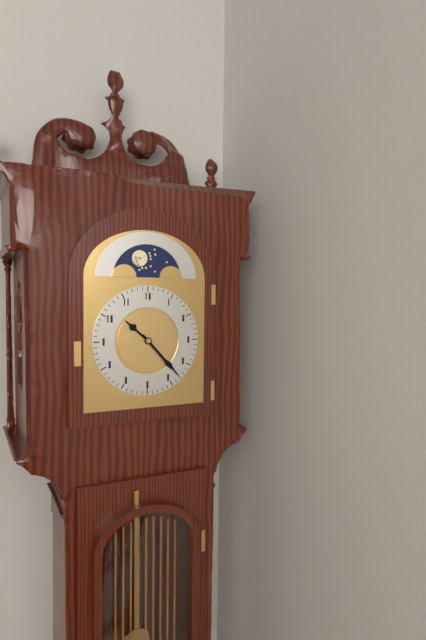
10:23
